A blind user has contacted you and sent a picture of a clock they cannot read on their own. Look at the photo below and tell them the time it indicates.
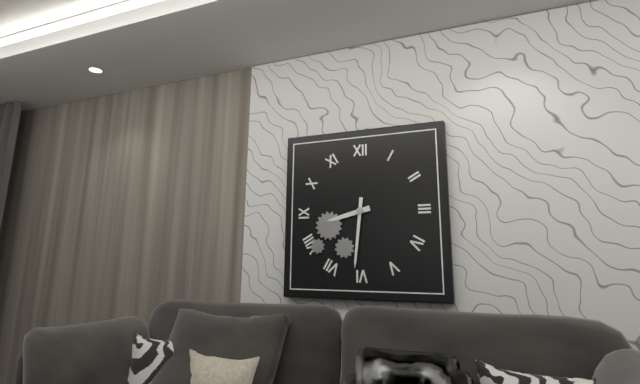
8:31
